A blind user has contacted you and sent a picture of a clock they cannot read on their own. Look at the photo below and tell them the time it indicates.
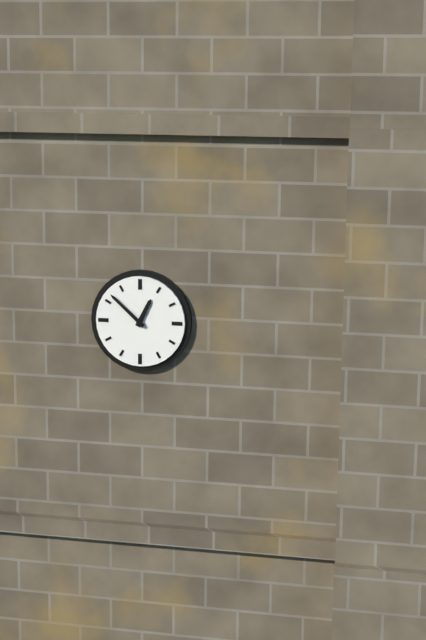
12:52
